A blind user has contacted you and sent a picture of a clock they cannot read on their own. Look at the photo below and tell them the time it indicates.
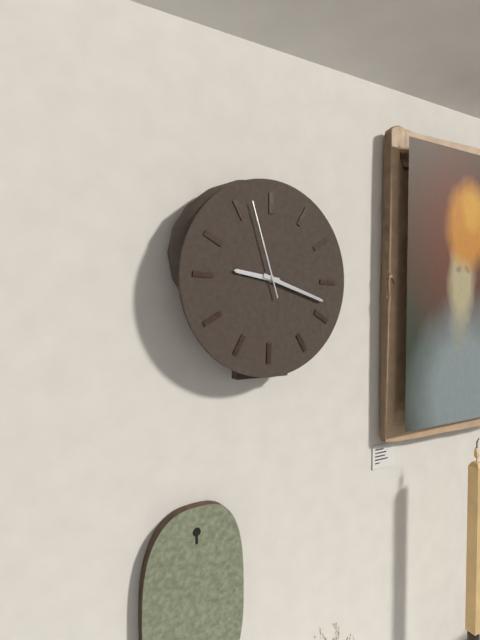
9:18:57
